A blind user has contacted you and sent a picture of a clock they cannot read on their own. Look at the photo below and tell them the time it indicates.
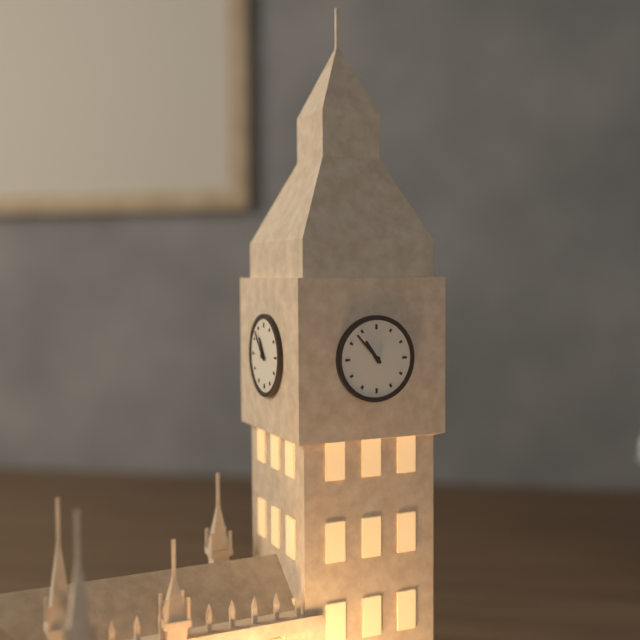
10:53
